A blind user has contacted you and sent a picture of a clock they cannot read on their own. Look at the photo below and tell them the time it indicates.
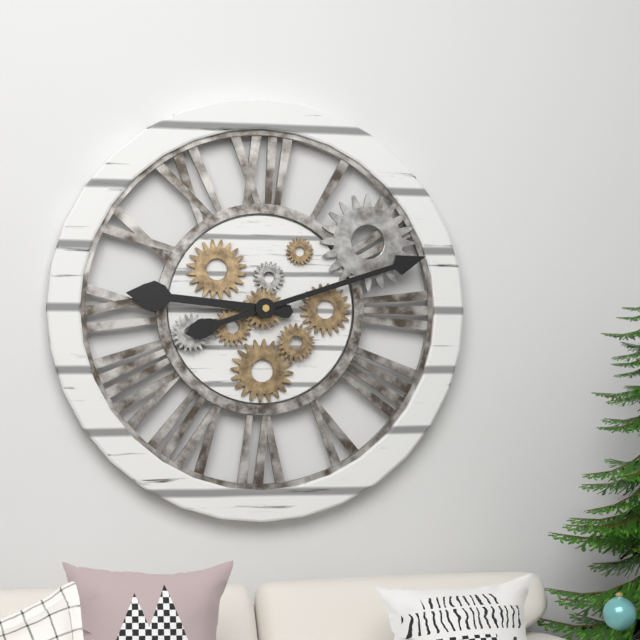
9:12
